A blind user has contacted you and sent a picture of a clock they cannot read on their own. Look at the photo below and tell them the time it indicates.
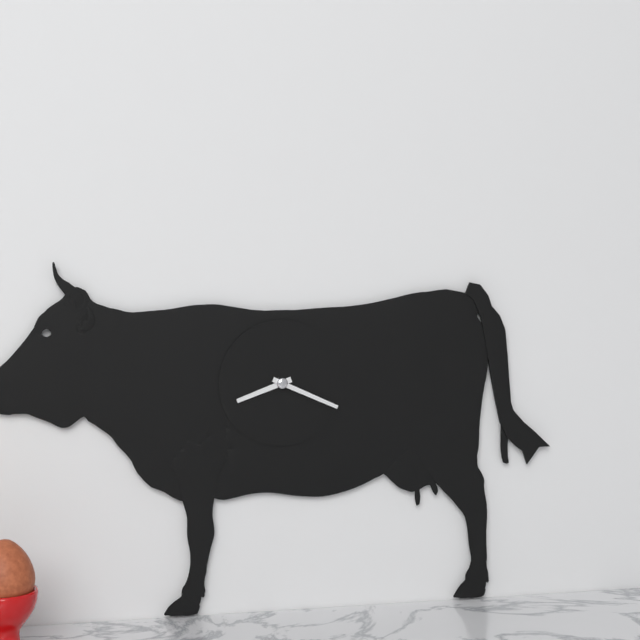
8:19
